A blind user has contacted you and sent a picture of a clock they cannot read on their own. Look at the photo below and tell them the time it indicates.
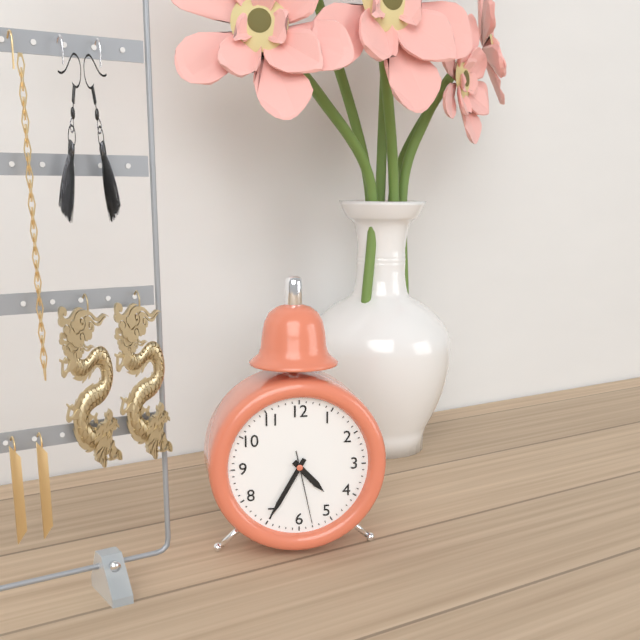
4:35:28
